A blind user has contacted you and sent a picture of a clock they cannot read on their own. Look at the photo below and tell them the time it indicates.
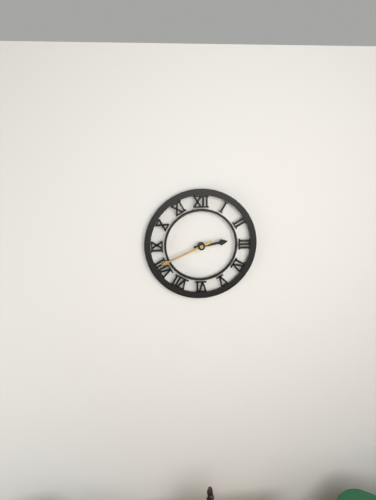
2:41
